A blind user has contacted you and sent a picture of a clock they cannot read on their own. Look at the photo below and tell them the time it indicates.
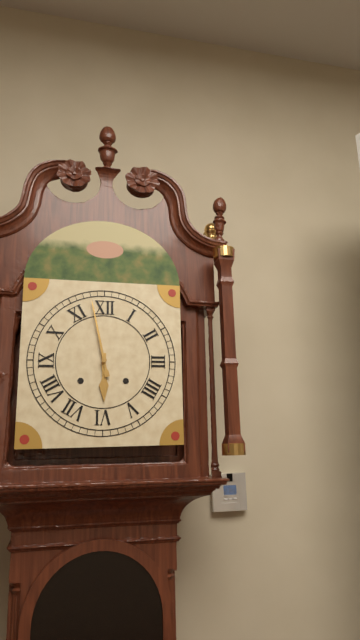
5:58
